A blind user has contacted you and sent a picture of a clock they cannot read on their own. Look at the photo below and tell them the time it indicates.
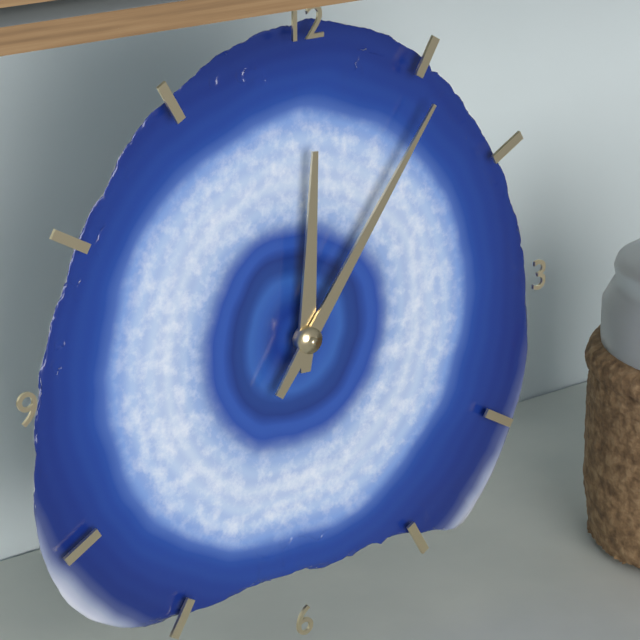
12:06
